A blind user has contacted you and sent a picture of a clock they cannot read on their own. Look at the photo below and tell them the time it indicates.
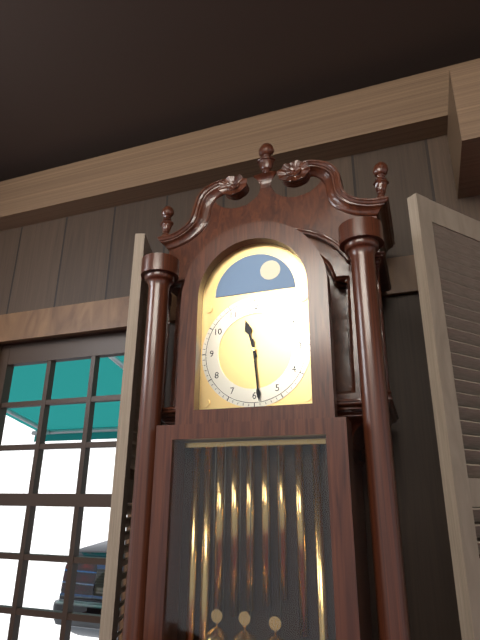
11:29
